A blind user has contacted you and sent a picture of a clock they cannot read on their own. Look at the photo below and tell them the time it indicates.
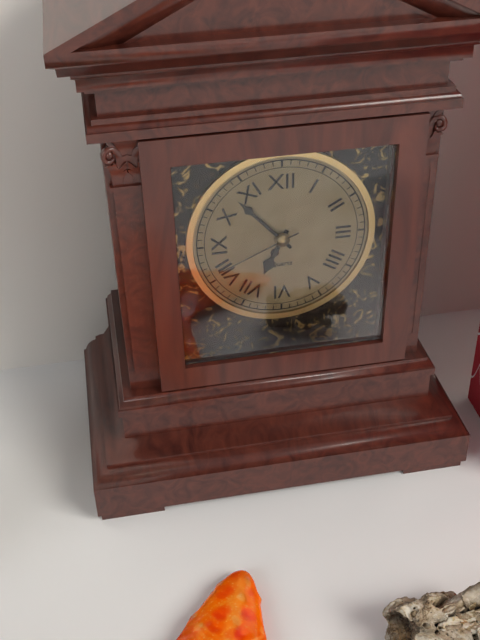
6:53:41
